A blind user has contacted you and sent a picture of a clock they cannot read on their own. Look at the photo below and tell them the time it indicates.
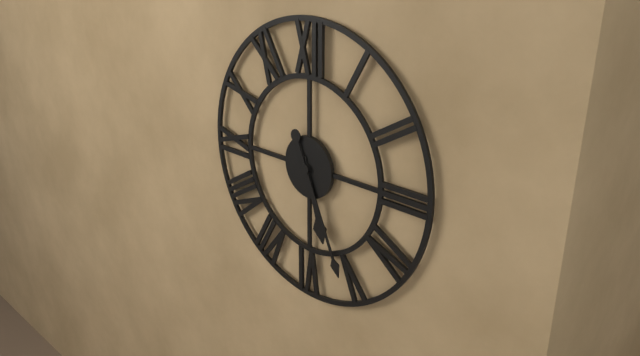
5:26
